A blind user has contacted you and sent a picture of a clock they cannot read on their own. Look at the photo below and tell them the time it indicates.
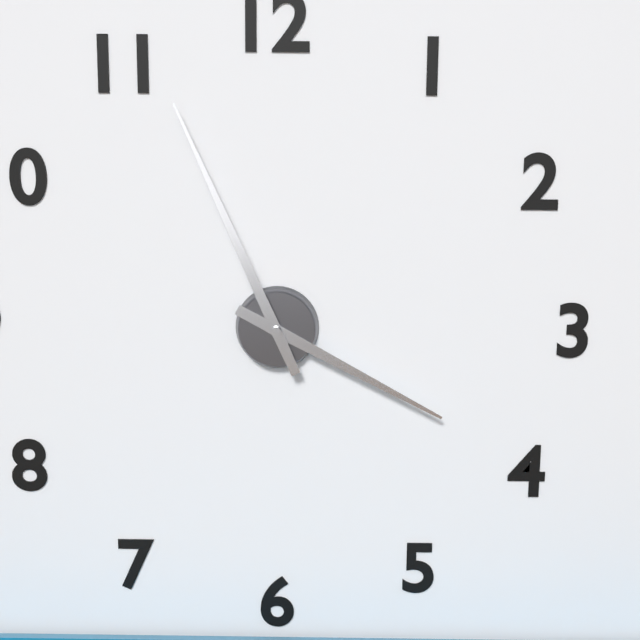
3:56
